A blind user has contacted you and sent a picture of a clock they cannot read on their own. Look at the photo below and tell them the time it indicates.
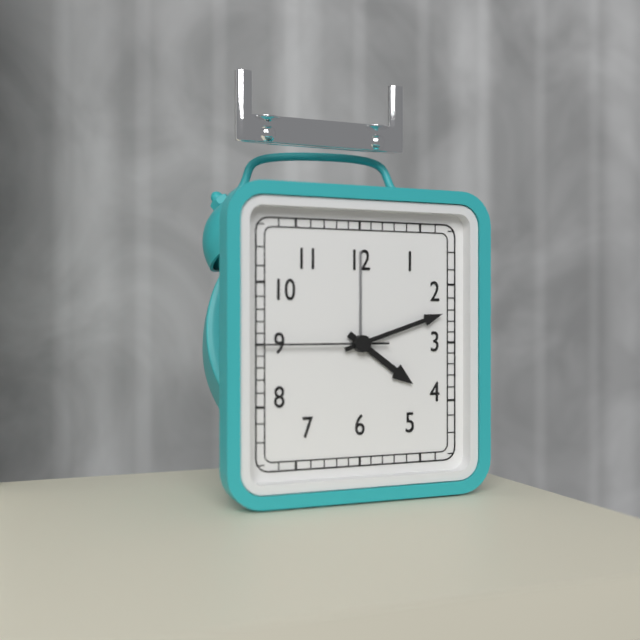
4:12:45
